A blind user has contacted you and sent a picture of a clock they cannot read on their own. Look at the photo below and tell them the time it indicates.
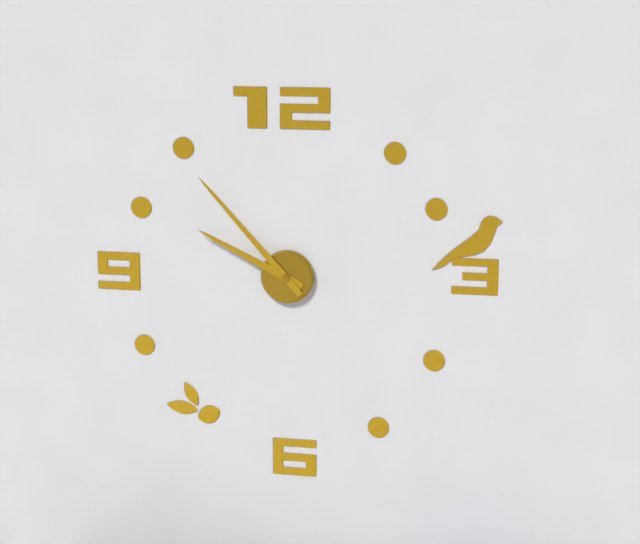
9:53
